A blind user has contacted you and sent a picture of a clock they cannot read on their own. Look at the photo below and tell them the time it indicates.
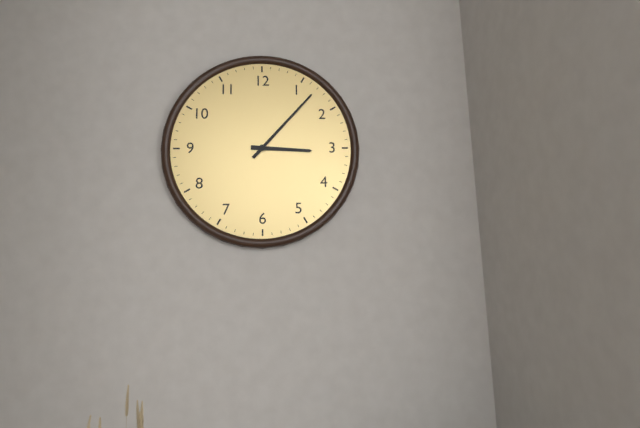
3:07
